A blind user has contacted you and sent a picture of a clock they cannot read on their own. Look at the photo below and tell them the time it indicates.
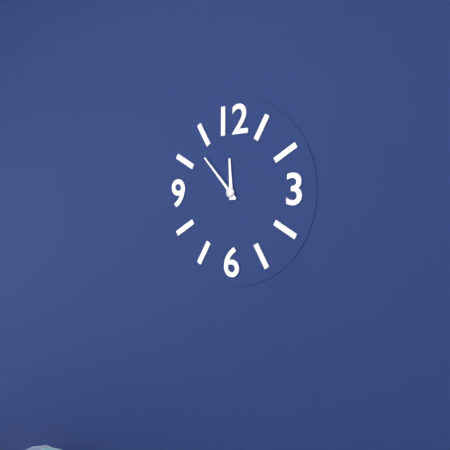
11:53
